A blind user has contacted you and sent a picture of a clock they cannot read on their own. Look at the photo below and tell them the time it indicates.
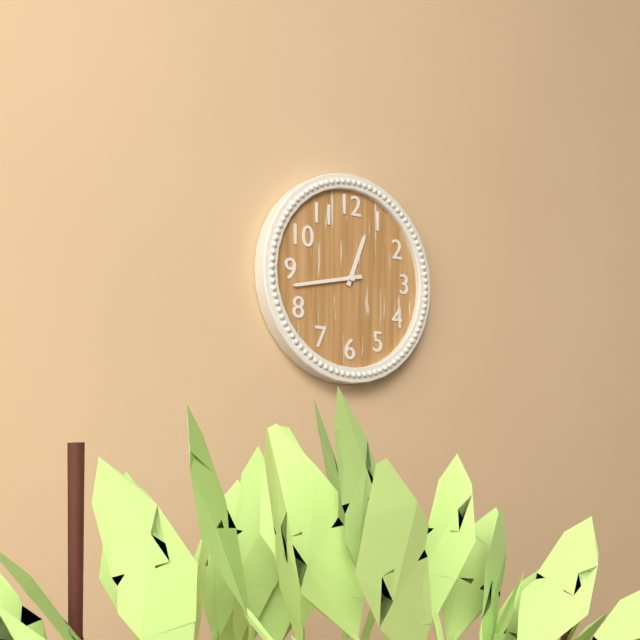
12:43
